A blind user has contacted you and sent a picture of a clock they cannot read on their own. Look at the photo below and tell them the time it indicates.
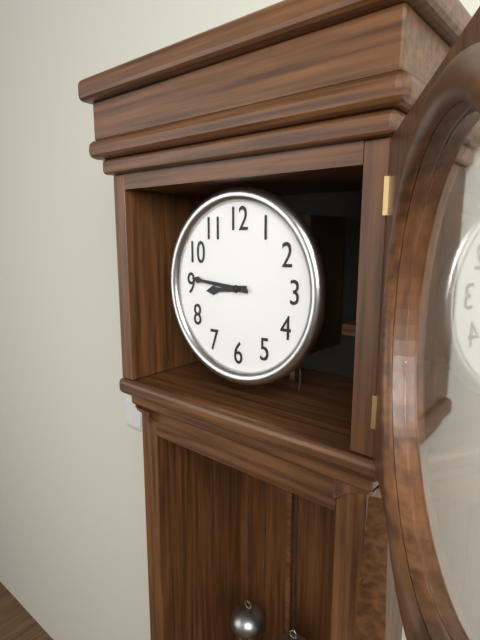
8:46
